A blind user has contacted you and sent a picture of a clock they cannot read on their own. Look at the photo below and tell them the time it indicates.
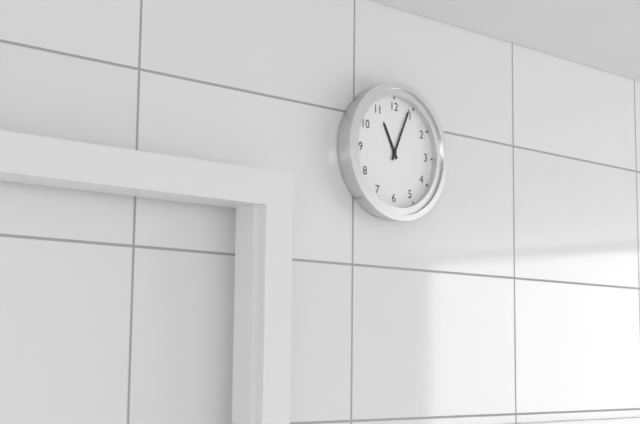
11:04
